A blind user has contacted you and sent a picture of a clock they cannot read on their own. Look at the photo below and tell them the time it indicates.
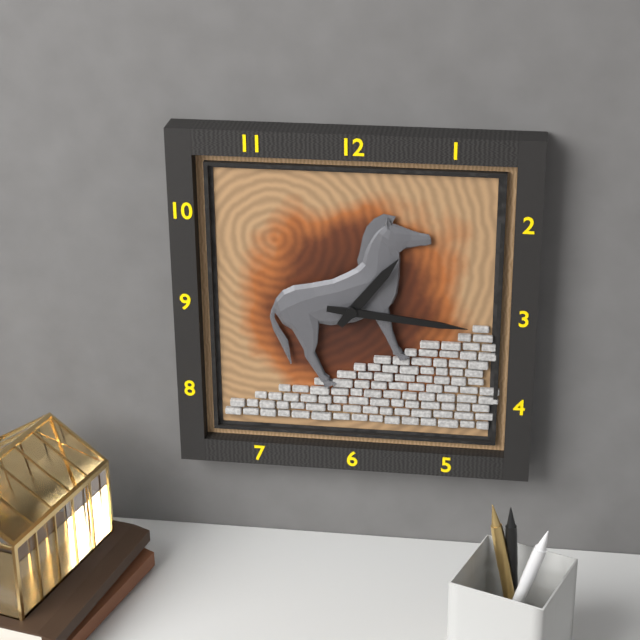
1:16
